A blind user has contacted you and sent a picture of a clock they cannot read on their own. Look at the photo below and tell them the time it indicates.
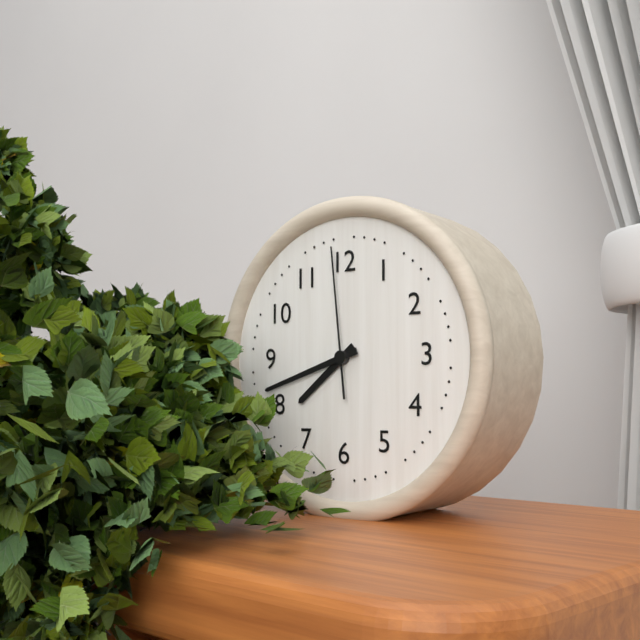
7:42:59
